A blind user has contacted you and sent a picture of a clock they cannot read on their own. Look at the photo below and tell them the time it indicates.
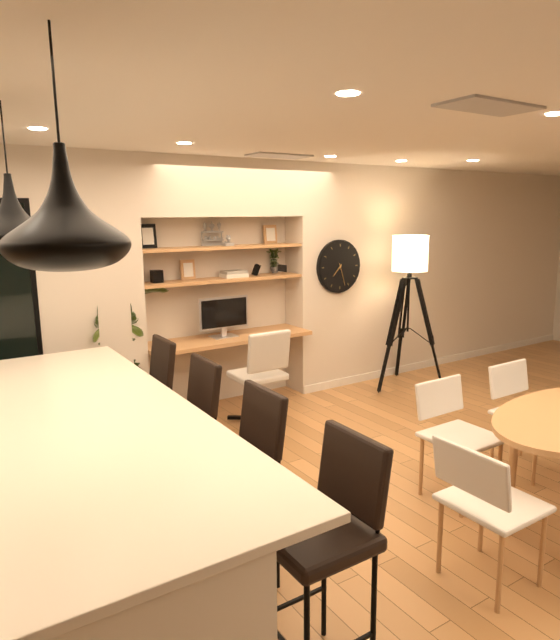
7:27
